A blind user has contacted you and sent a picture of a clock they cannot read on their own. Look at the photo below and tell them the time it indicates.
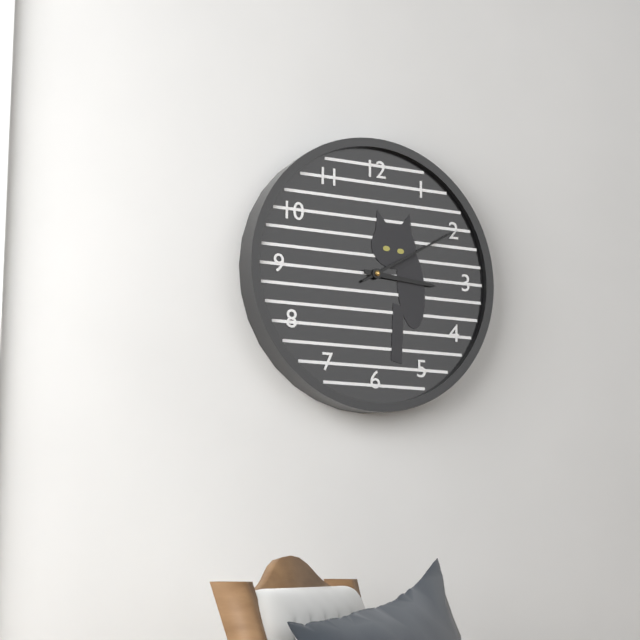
3:10
